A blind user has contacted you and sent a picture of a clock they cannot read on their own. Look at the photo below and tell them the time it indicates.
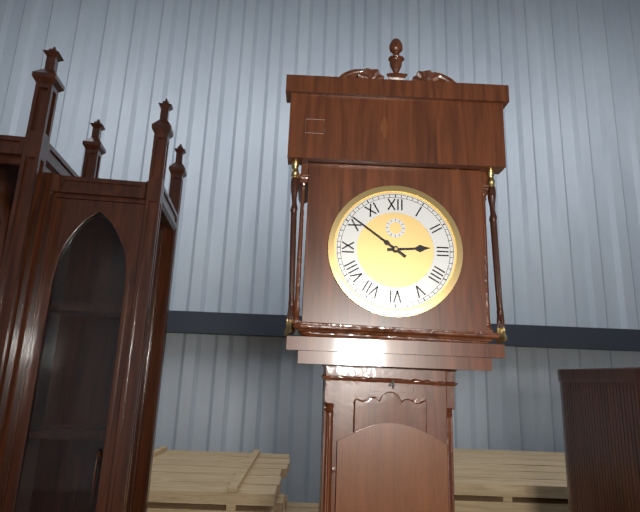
2:51
